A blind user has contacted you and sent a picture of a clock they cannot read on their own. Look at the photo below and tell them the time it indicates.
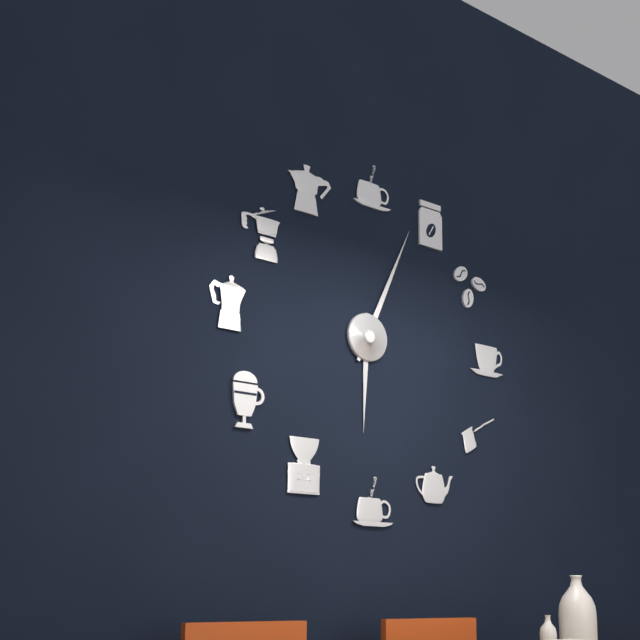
6:04
